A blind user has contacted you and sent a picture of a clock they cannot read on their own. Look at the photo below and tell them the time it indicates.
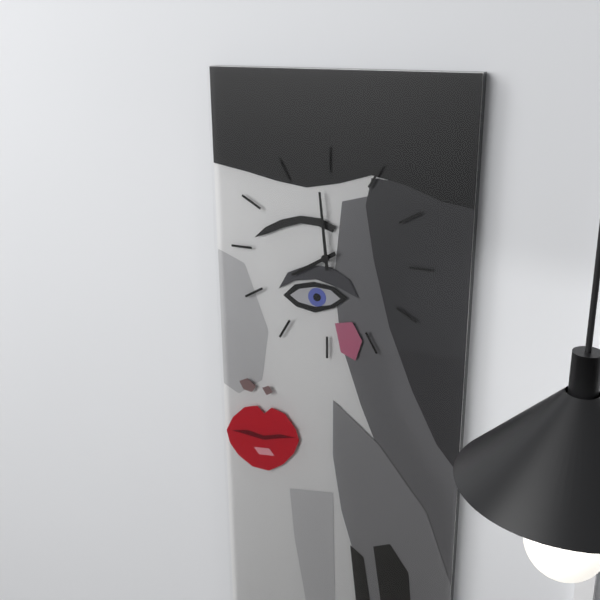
7:59
